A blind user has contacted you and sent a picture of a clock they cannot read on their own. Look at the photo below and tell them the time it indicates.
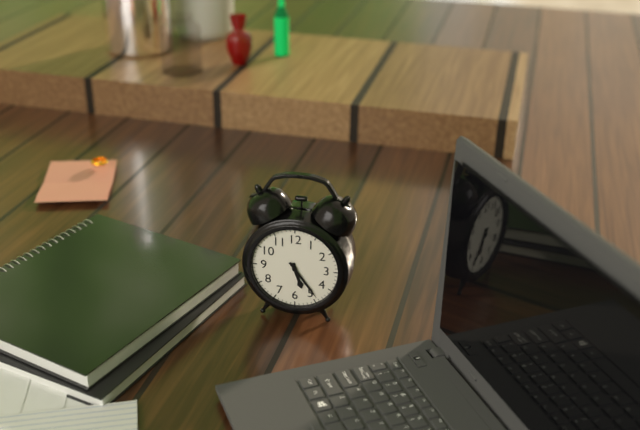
5:24
